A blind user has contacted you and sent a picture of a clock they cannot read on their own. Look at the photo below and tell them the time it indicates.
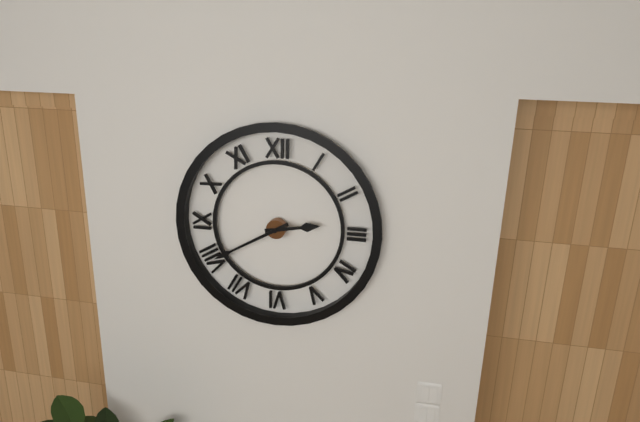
2:40
